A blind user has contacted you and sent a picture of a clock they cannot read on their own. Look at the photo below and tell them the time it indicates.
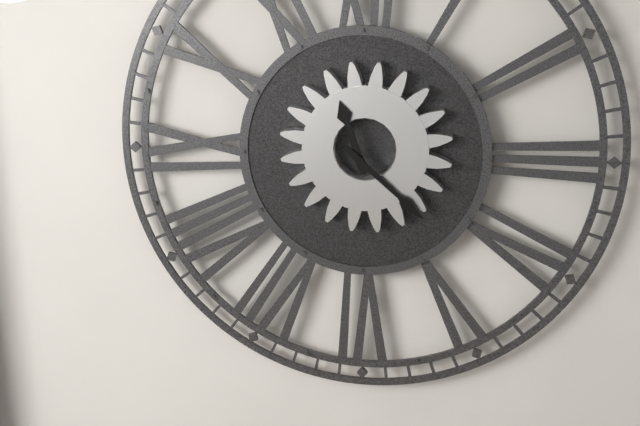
11:22
